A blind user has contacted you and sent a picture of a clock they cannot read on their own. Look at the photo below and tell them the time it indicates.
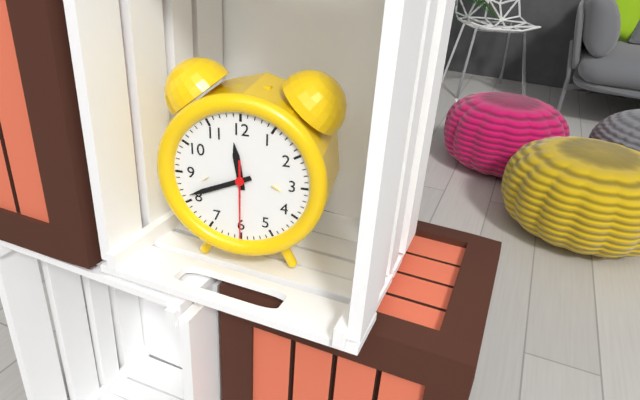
11:41:30
